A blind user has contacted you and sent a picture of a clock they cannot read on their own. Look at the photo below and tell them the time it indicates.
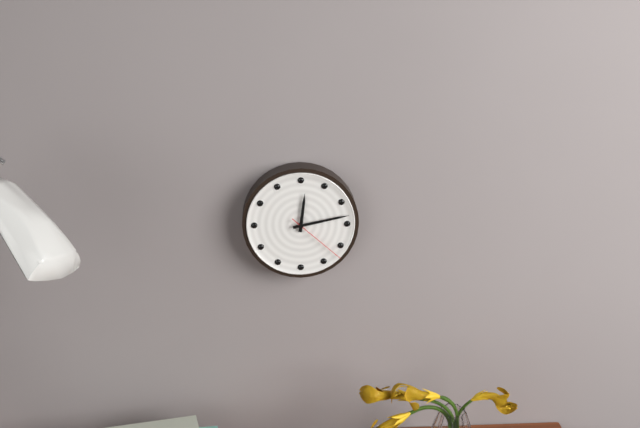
12:13:22
